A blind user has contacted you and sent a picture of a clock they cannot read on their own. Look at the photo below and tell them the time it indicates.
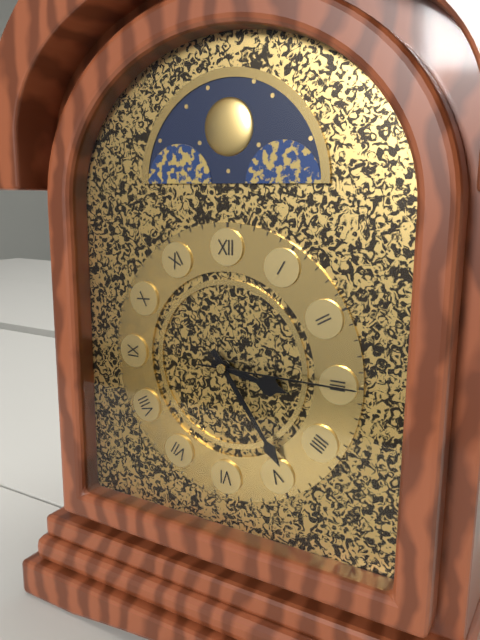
3:24:15
